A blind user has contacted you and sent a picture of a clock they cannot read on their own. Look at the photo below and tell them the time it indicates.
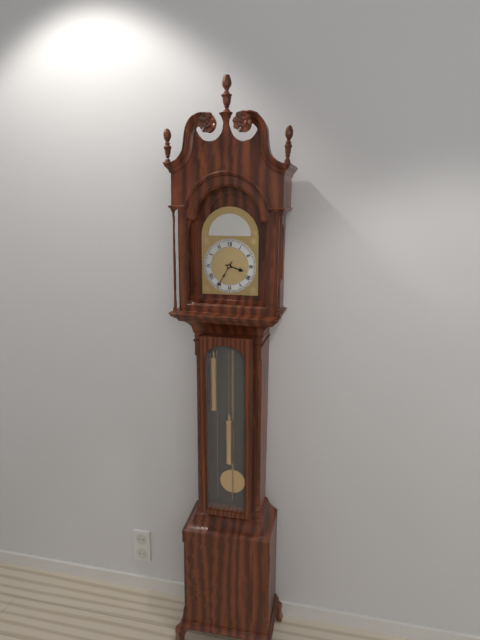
3:35
